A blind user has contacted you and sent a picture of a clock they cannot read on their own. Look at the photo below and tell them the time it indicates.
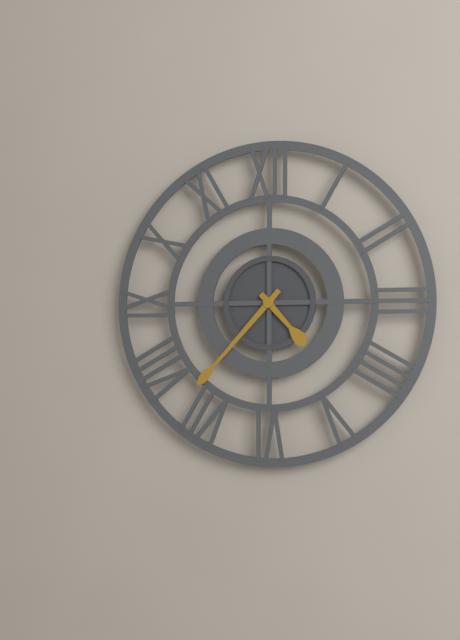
4:37
